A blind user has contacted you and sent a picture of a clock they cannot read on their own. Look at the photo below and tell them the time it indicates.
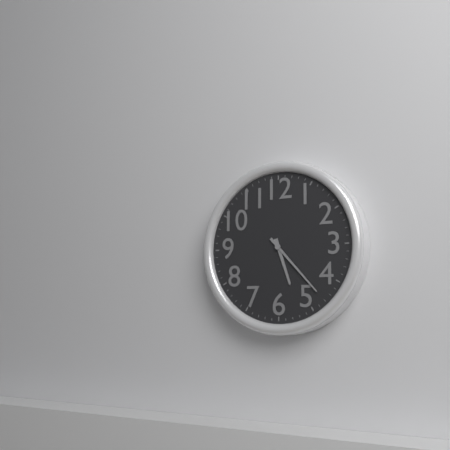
5:23
